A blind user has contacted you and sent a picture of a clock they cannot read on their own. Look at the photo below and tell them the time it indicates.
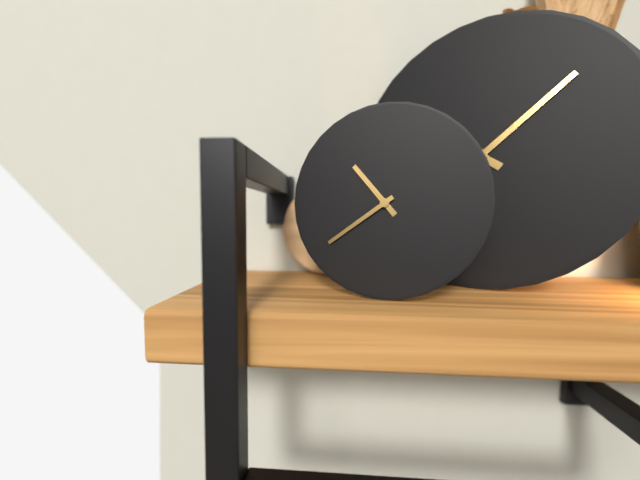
10:39
